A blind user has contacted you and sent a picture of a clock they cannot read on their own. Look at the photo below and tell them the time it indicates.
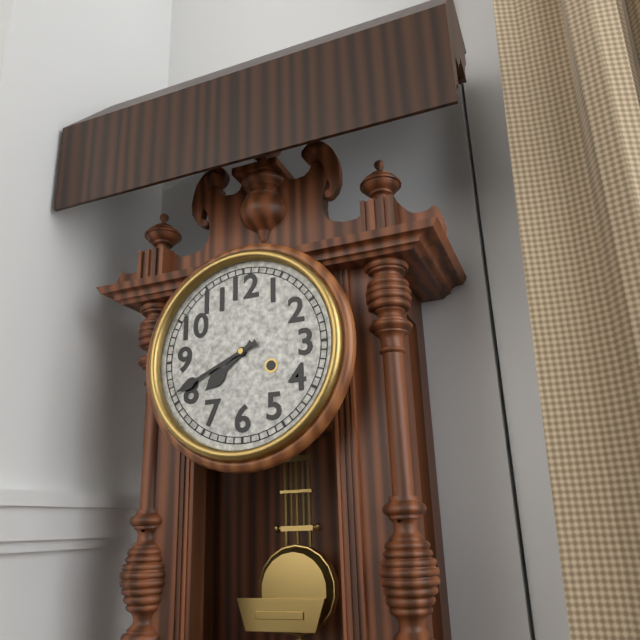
7:41
